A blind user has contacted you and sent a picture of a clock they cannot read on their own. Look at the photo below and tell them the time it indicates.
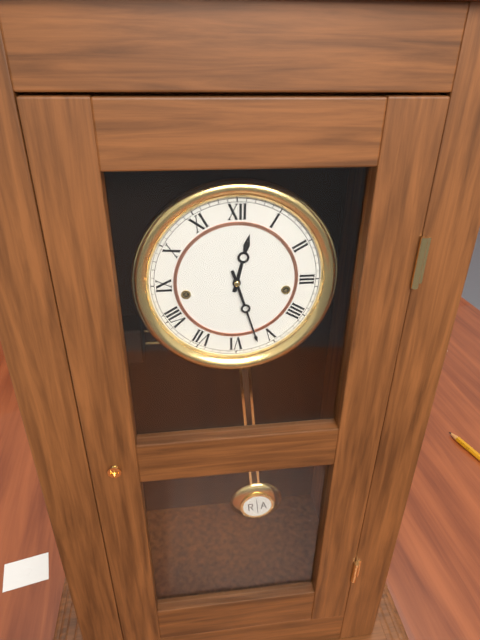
12:27
